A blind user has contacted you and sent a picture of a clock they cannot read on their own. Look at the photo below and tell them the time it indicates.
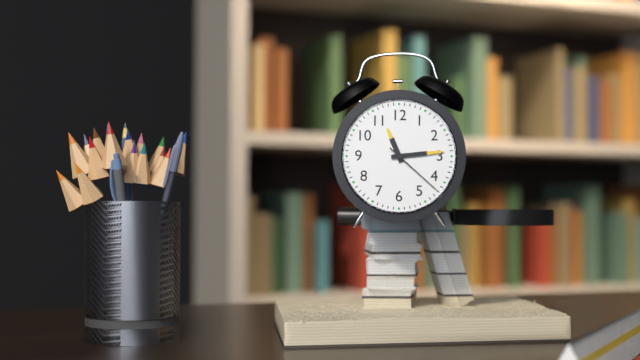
11:14:22
